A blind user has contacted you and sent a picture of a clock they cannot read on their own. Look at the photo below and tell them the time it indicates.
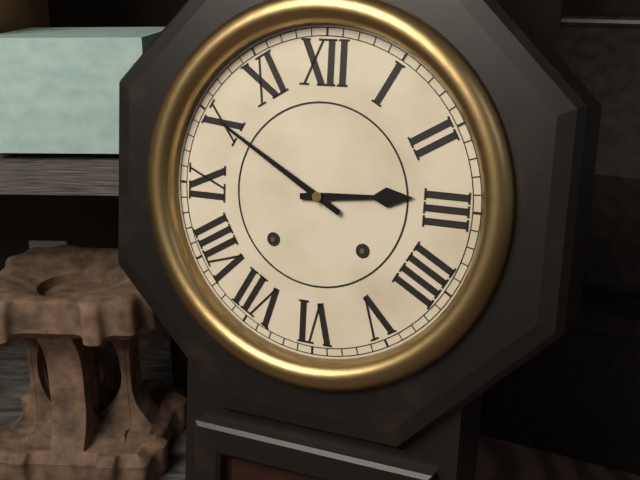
2:50
